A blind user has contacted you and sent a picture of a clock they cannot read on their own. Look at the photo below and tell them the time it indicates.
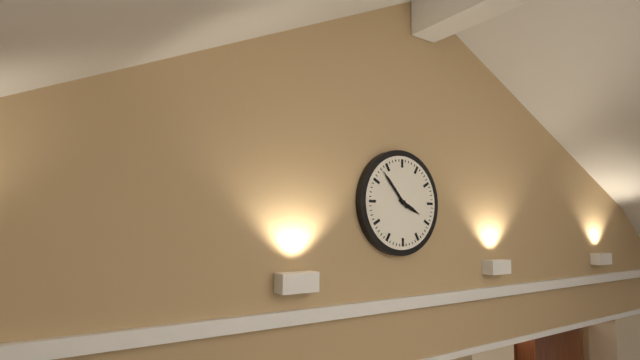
3:53
